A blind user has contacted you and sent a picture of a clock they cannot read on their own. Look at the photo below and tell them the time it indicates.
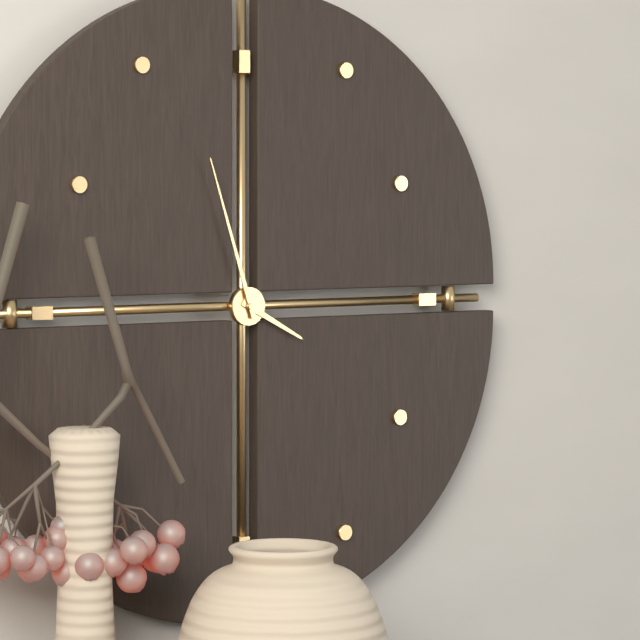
3:57
